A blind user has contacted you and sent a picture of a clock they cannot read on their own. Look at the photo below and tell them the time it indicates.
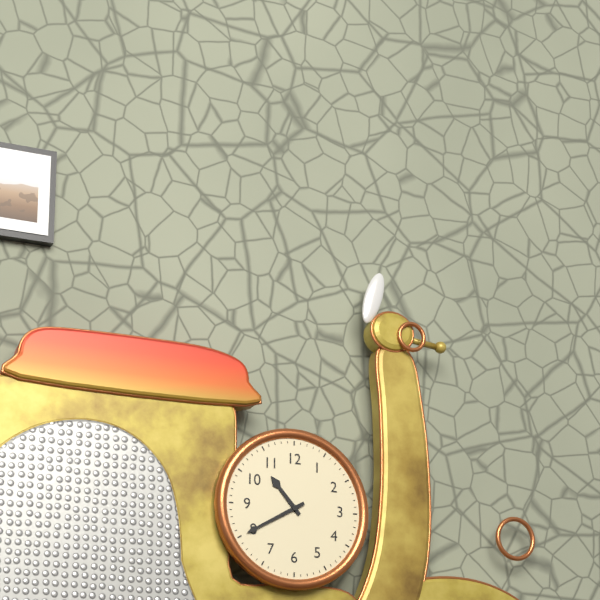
10:40
